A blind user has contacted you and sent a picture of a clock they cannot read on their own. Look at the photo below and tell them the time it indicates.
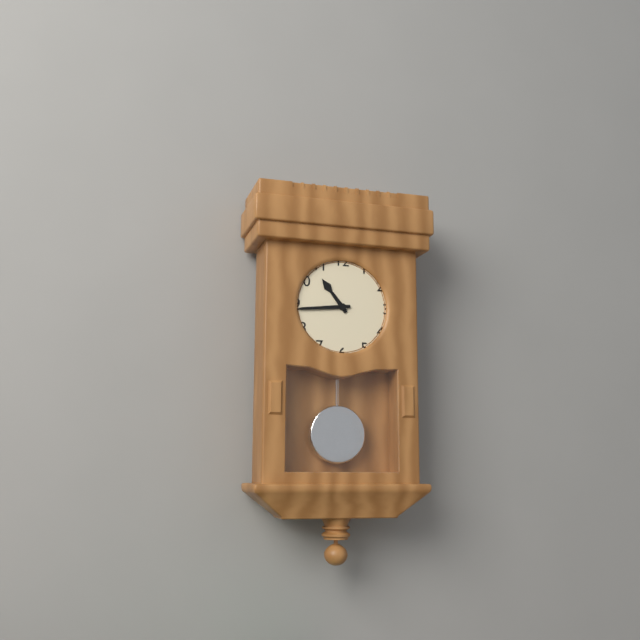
10:44
